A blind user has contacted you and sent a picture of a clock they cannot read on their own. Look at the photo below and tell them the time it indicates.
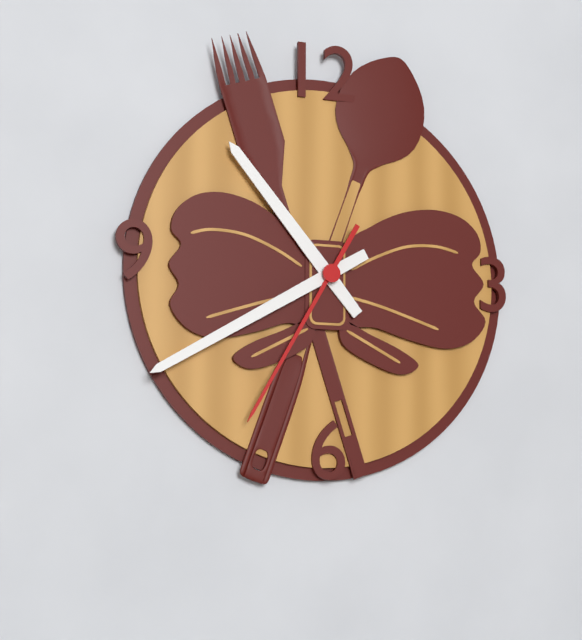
10:40:35
